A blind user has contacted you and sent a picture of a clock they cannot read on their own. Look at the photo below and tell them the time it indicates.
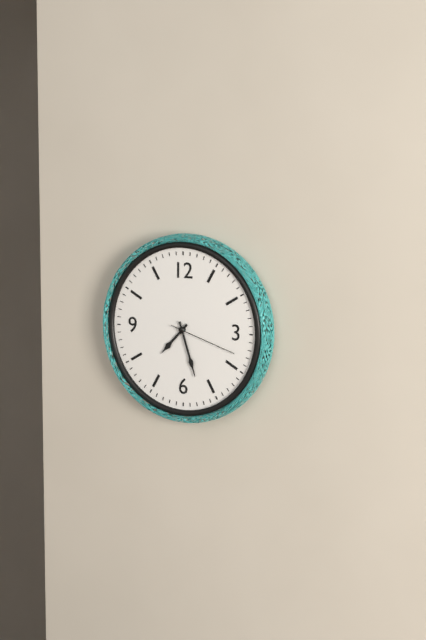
7:27:18
